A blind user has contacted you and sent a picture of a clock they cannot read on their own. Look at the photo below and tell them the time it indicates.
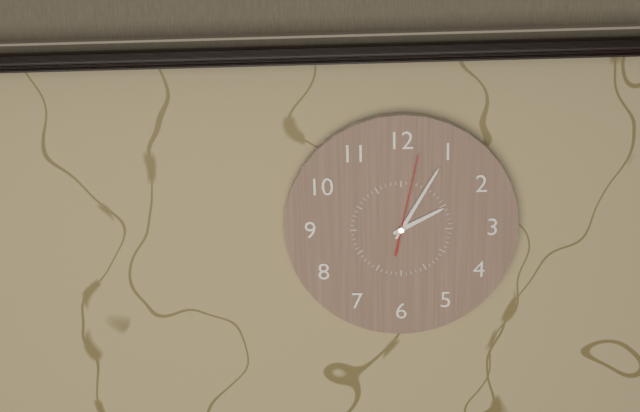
2:05:02
